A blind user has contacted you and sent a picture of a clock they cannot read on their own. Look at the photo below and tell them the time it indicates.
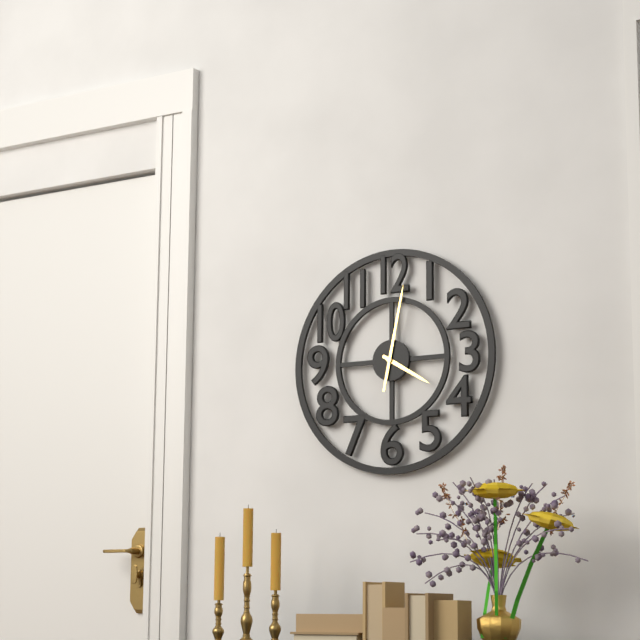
4:02
